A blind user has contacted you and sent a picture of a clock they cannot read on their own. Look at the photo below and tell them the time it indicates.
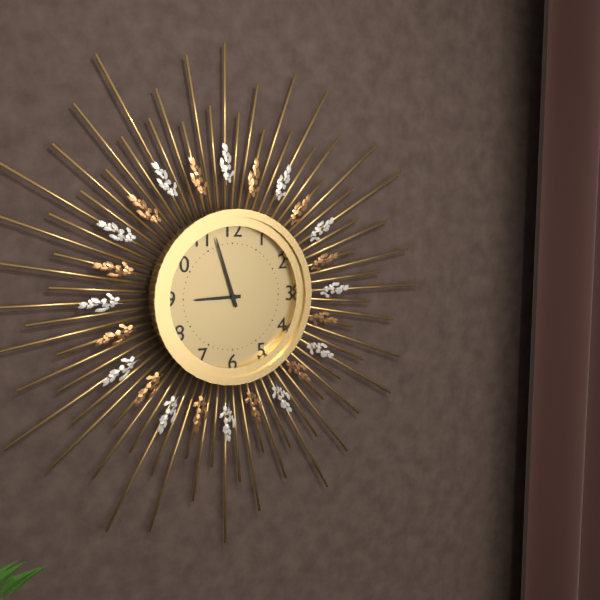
8:57
